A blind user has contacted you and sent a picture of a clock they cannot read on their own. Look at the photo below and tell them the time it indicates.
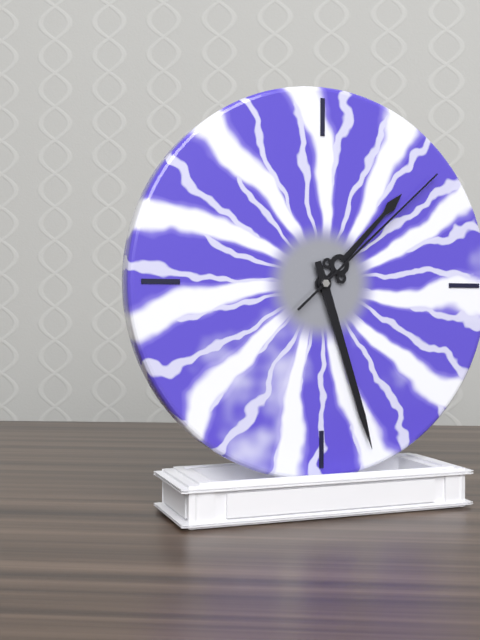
1:27:08
